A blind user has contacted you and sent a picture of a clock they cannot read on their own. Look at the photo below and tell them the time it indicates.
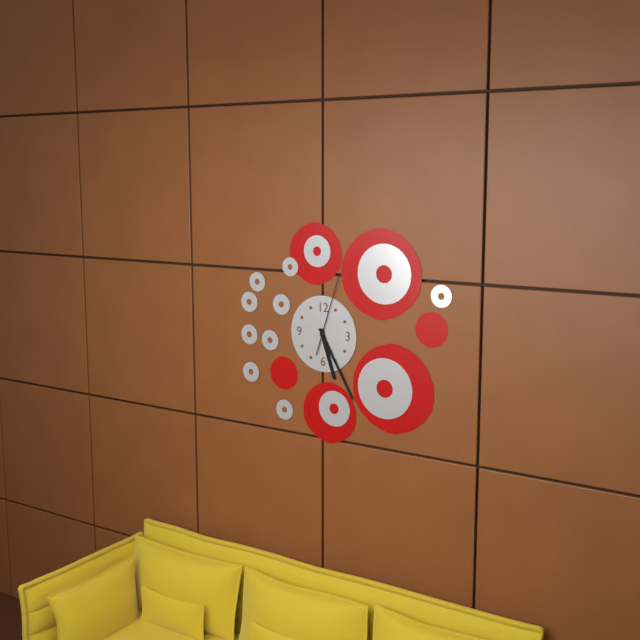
5:25:03
